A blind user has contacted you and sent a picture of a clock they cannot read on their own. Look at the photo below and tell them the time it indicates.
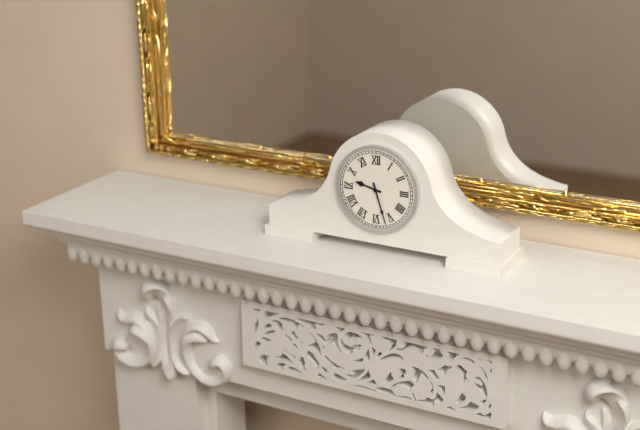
9:27
